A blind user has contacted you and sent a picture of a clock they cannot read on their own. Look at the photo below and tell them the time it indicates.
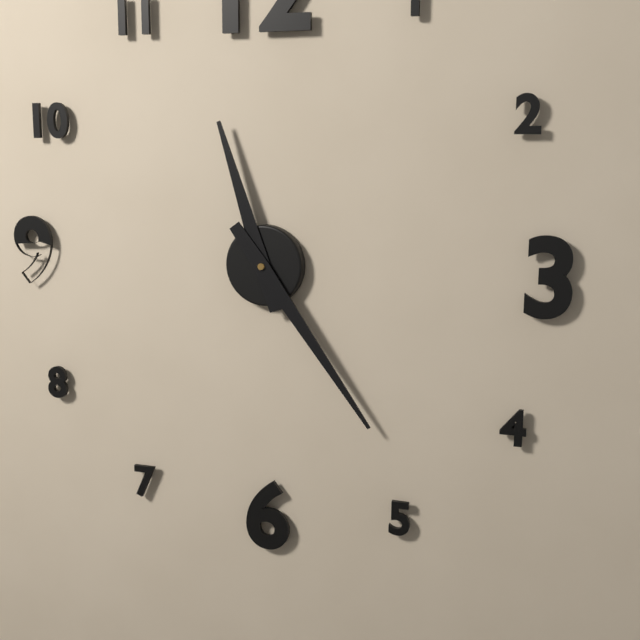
11:24
